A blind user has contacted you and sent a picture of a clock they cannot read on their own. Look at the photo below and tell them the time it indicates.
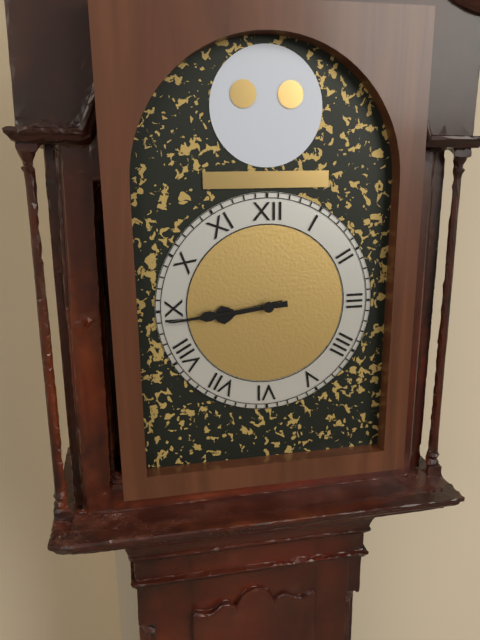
8:44
